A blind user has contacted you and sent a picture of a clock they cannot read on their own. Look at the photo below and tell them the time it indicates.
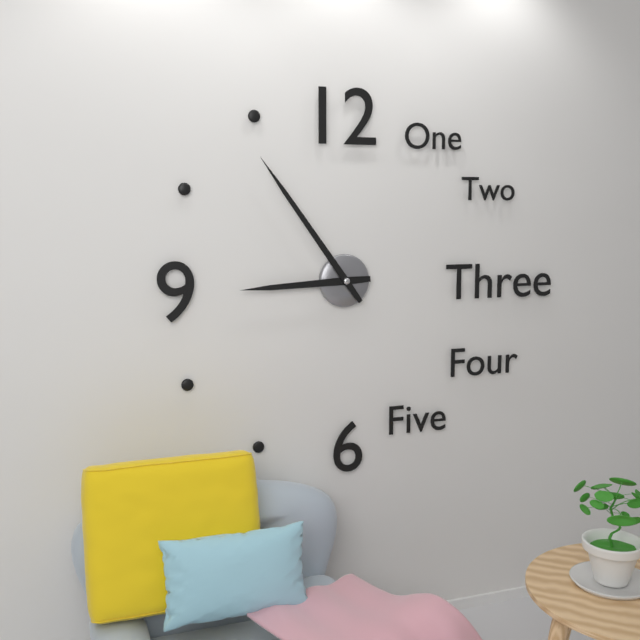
8:54
